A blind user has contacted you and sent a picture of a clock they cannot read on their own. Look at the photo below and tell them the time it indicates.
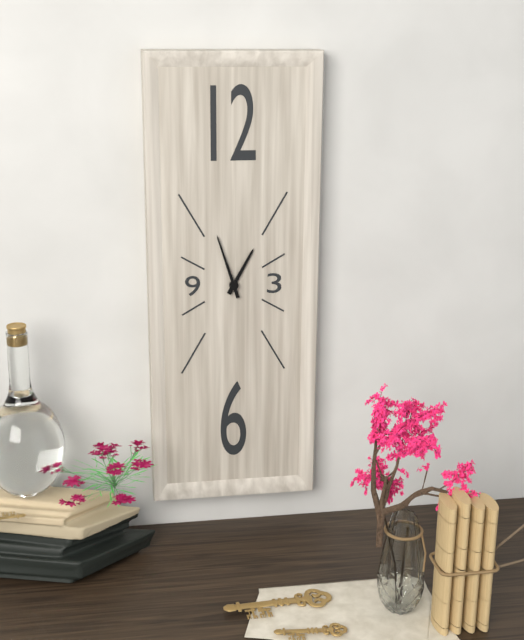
12:57
